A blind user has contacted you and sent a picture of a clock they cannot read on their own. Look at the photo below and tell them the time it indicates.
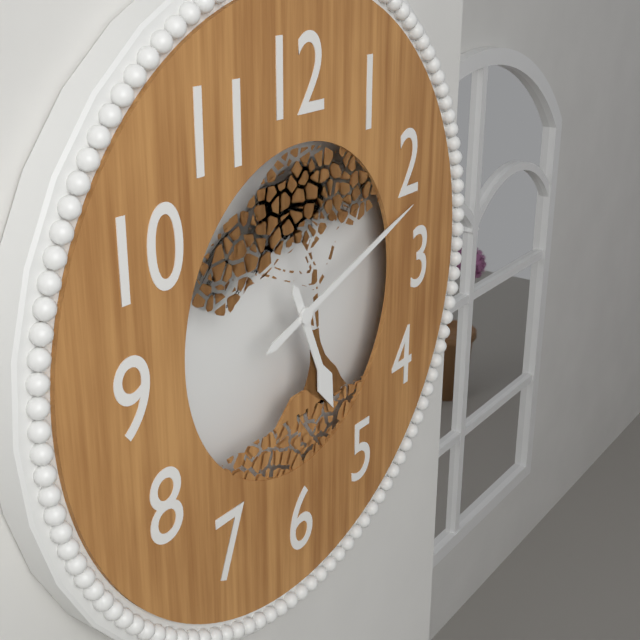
5:12
